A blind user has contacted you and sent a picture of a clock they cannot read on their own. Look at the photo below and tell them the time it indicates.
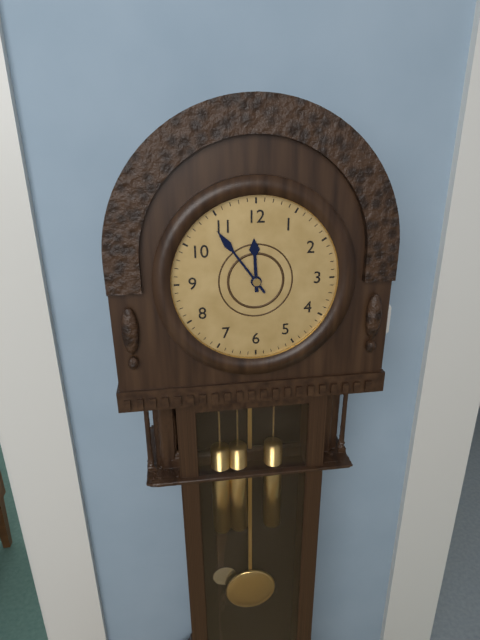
11:54
